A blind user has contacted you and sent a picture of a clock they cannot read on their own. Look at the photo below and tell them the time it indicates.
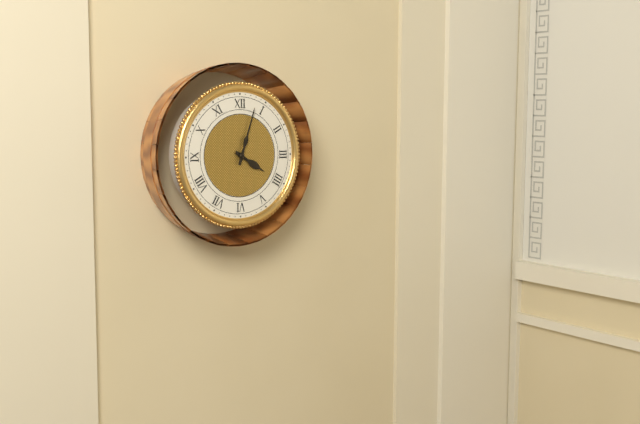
4:03
